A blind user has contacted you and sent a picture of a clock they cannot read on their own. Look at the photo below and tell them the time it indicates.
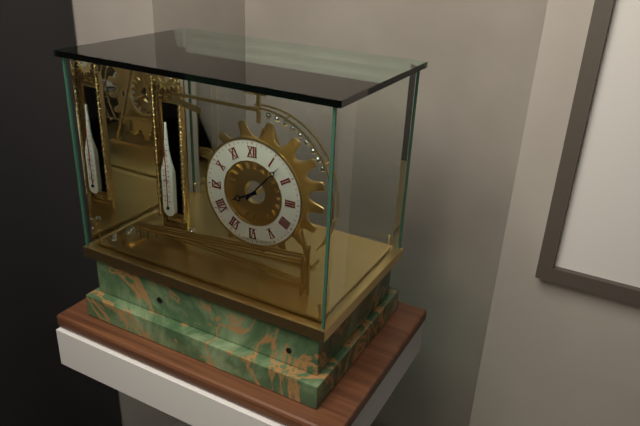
8:07
